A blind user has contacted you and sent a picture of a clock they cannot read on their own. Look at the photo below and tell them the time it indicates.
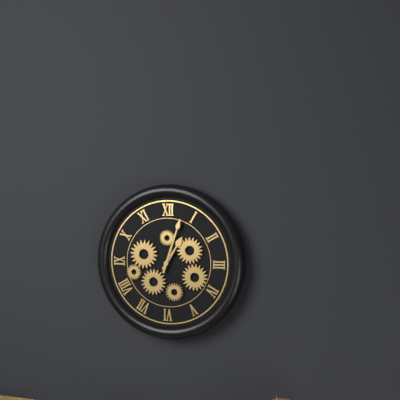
1:03
